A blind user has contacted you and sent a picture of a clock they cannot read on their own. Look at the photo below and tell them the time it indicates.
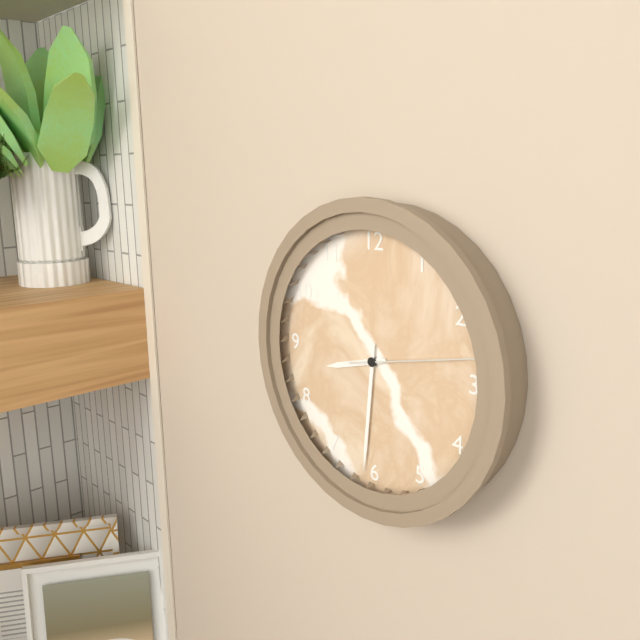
8:31:13
